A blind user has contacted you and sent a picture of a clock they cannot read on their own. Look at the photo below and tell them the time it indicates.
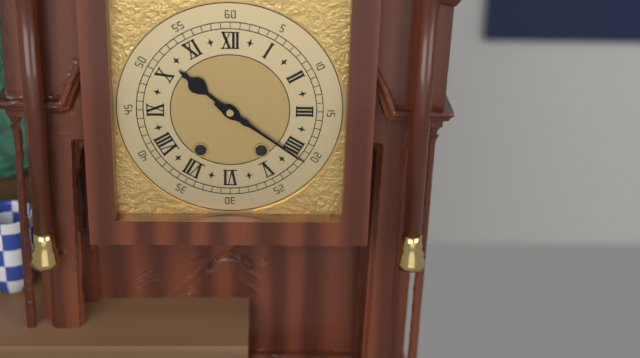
10:21
